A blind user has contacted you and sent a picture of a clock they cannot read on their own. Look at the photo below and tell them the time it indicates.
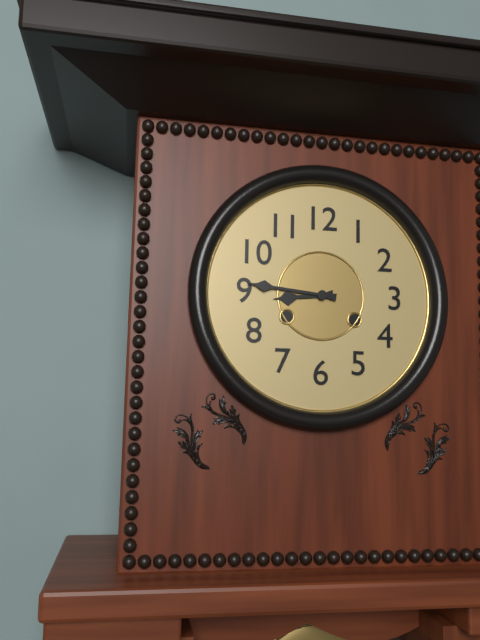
8:46
